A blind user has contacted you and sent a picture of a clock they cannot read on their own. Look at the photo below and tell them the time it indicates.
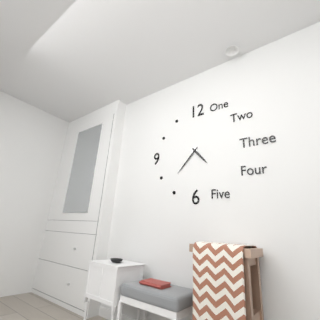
4:37
